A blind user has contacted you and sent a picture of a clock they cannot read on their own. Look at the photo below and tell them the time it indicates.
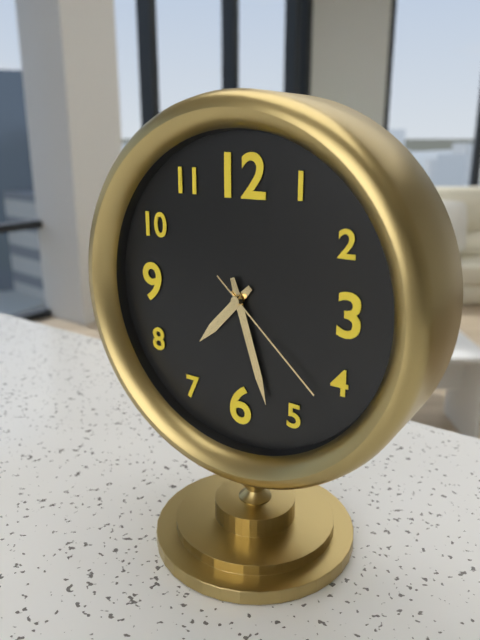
7:27:22
